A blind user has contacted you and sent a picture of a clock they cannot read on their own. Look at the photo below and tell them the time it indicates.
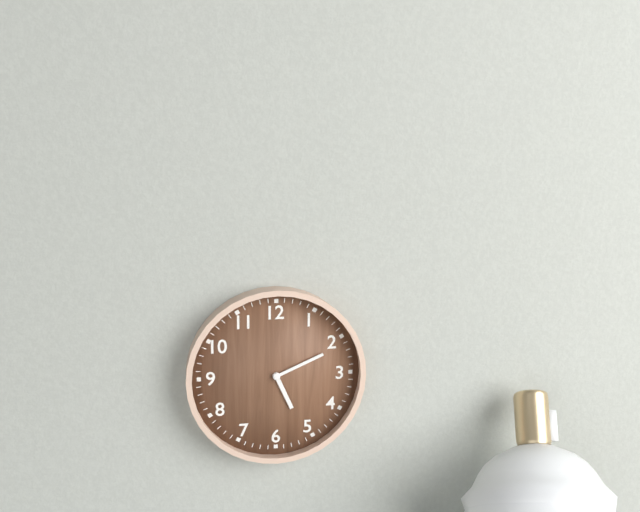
5:11
